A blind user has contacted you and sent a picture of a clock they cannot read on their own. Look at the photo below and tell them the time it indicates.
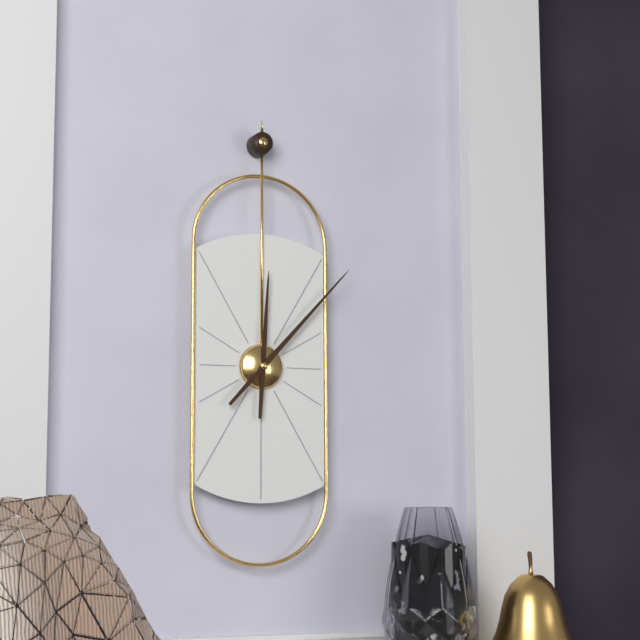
12:07
